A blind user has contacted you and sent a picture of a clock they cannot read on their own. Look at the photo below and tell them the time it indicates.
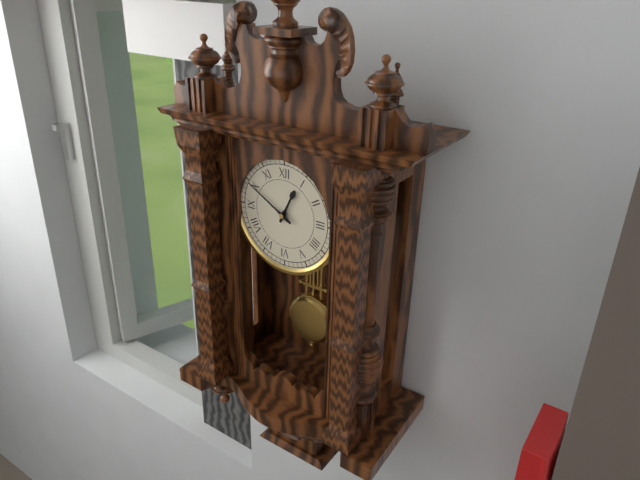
12:50
